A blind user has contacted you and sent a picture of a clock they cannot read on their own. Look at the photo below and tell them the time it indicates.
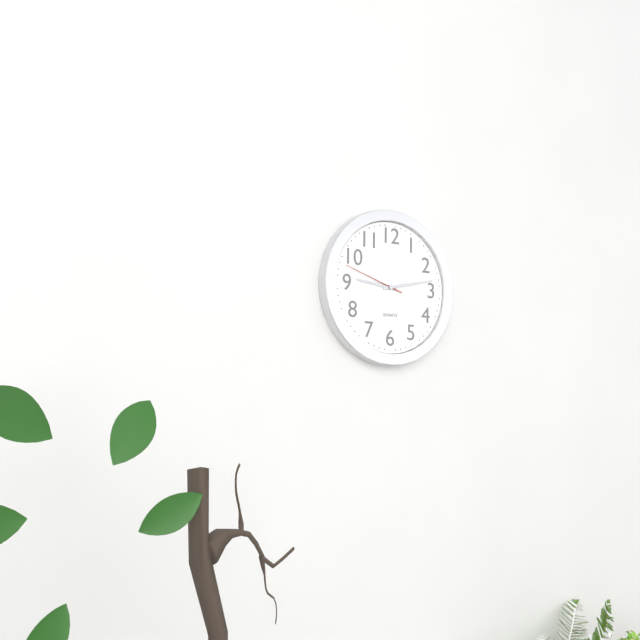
9:13:48
